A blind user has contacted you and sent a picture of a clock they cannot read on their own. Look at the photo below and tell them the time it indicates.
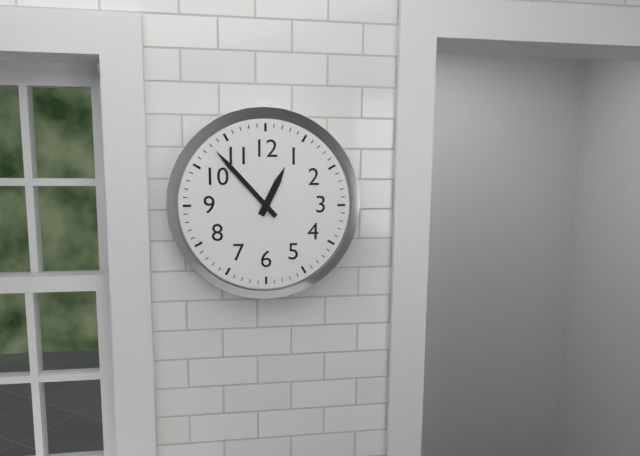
12:53
